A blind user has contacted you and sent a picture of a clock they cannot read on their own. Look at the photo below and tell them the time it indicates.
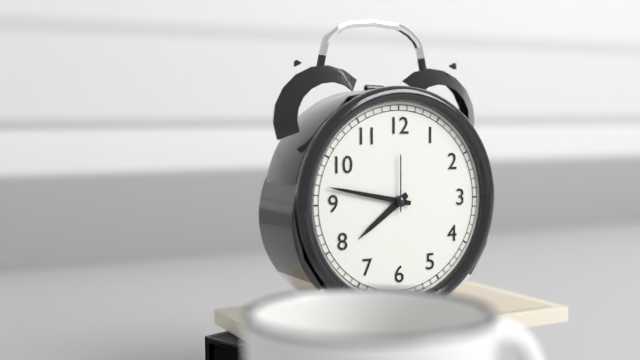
7:47:00
